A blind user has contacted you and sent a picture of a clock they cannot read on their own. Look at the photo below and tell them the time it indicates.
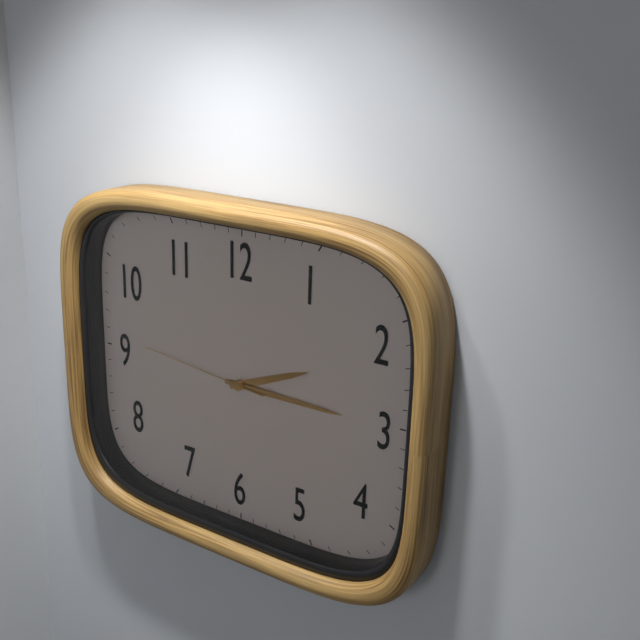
2:15:46
